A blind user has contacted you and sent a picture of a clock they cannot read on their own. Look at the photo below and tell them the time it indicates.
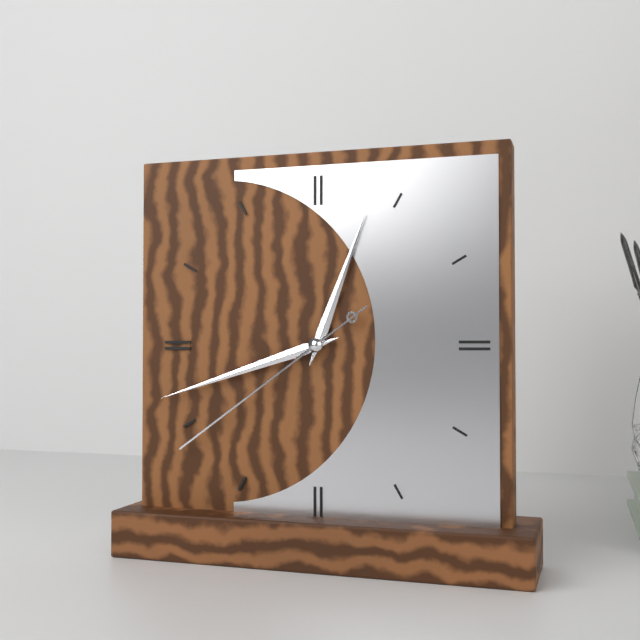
12:42:39
